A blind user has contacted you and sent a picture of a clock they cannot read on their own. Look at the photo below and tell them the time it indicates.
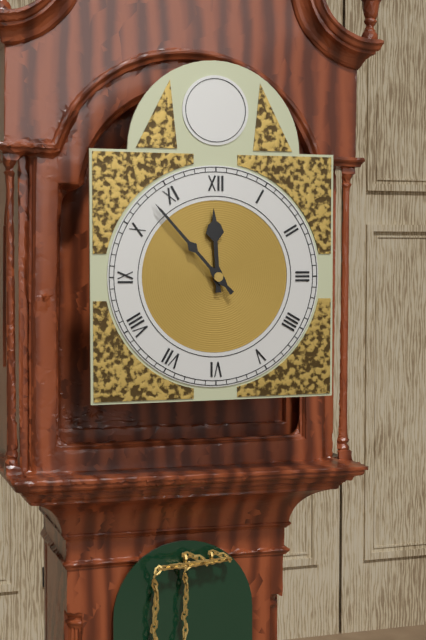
11:53
